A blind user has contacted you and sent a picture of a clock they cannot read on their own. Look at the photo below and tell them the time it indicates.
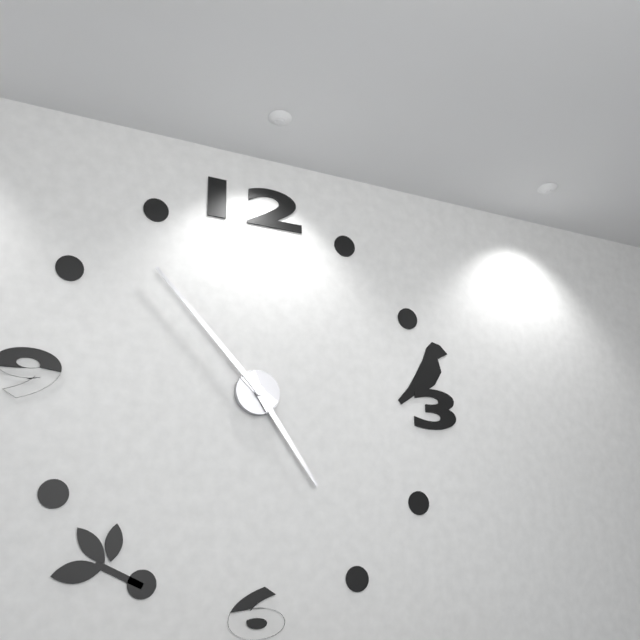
4:53
